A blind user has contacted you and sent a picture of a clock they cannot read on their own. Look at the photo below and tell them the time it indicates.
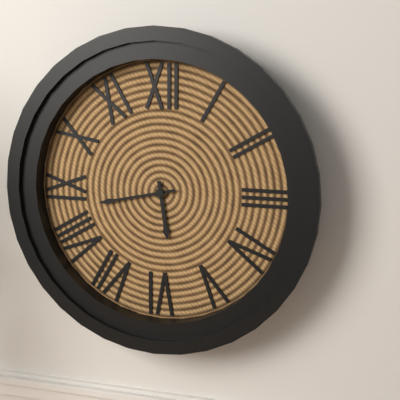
5:43
